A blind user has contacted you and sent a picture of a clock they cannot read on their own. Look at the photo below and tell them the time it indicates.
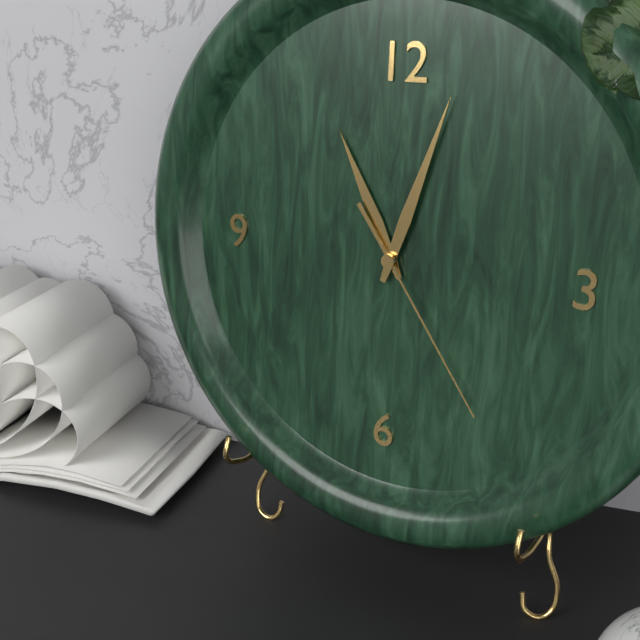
11:03:24
